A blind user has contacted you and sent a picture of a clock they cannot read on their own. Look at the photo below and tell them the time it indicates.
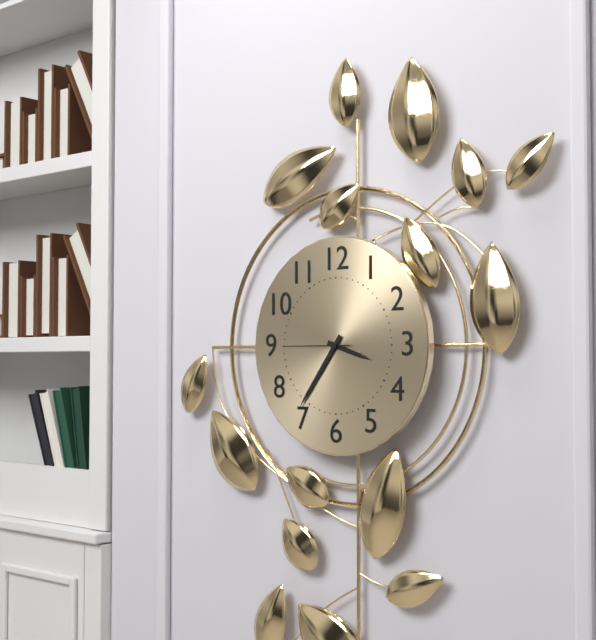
3:36:45
